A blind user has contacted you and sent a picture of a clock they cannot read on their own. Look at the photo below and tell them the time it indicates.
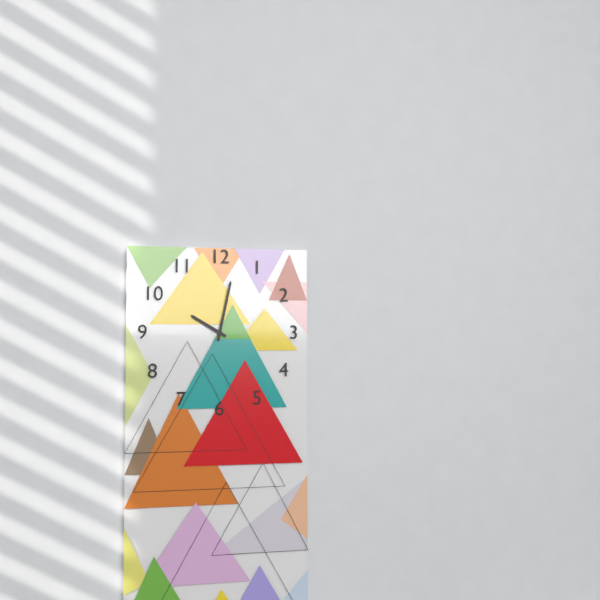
10:02
